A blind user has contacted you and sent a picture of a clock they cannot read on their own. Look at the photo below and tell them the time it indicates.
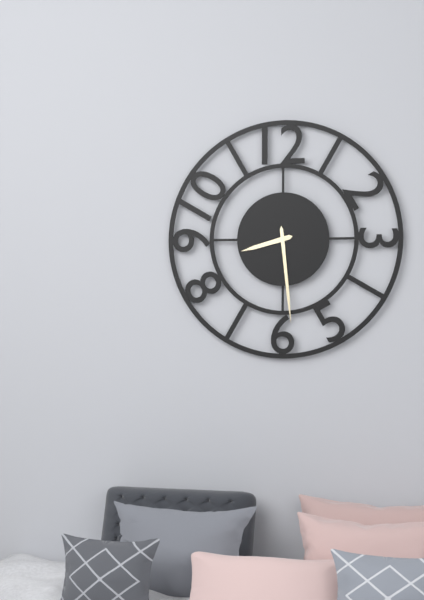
8:29
